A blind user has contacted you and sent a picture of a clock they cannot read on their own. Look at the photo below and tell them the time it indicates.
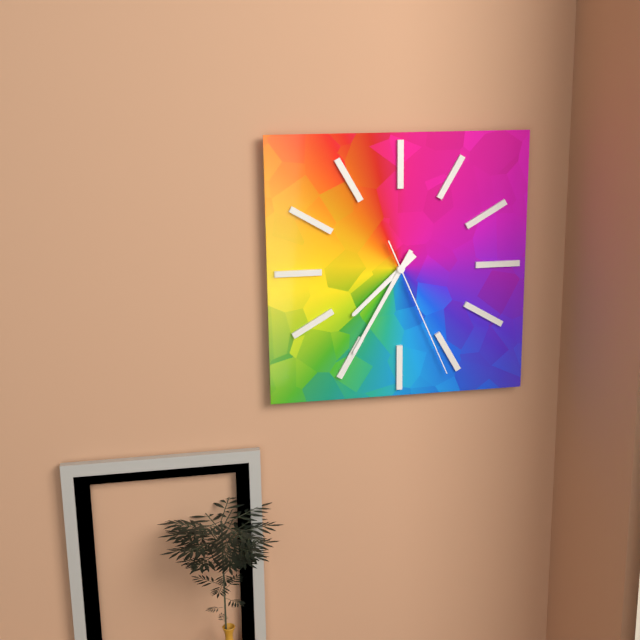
7:35:26
